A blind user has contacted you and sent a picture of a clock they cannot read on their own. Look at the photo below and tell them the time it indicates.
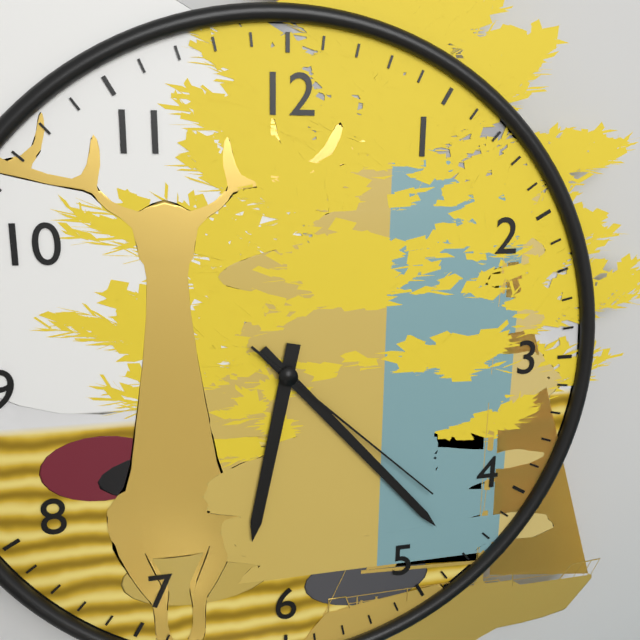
6:23:22
